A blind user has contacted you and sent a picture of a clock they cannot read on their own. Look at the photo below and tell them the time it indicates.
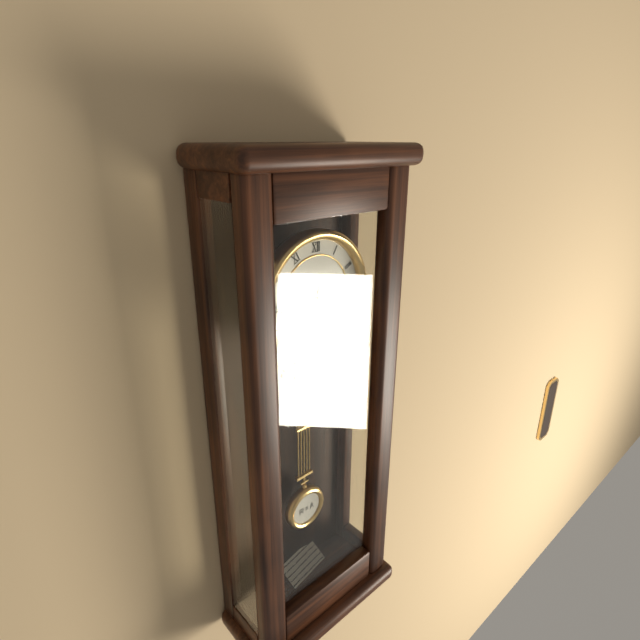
6:42
